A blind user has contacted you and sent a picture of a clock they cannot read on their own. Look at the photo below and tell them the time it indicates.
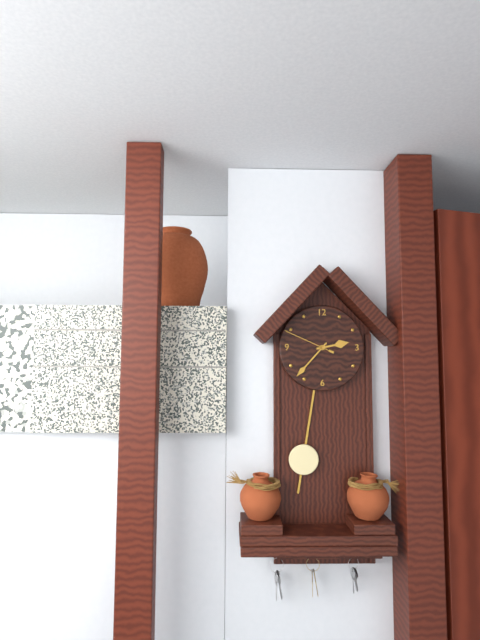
2:37:49
